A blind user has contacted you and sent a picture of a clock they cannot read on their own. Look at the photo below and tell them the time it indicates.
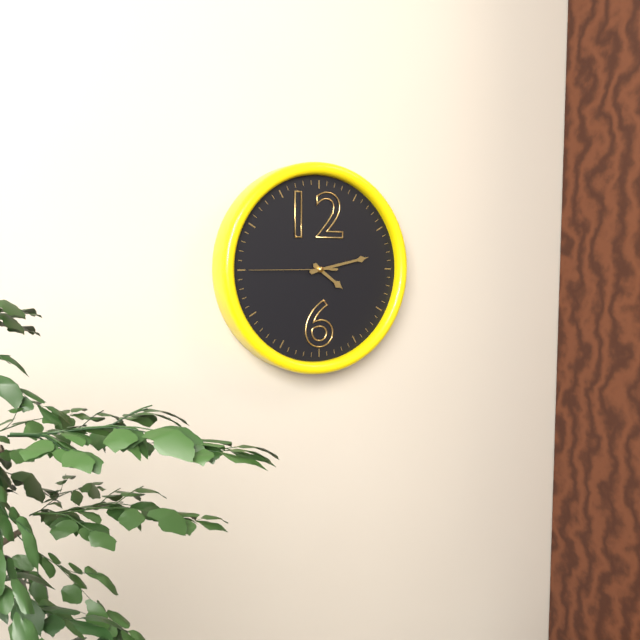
4:13:45
